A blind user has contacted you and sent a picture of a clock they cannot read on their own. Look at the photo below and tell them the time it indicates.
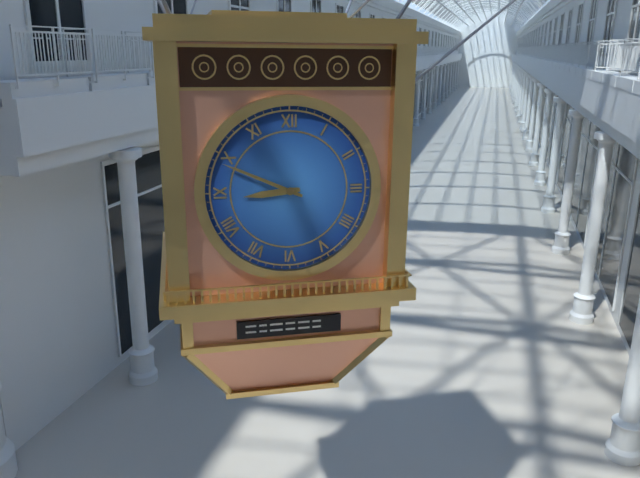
8:49
